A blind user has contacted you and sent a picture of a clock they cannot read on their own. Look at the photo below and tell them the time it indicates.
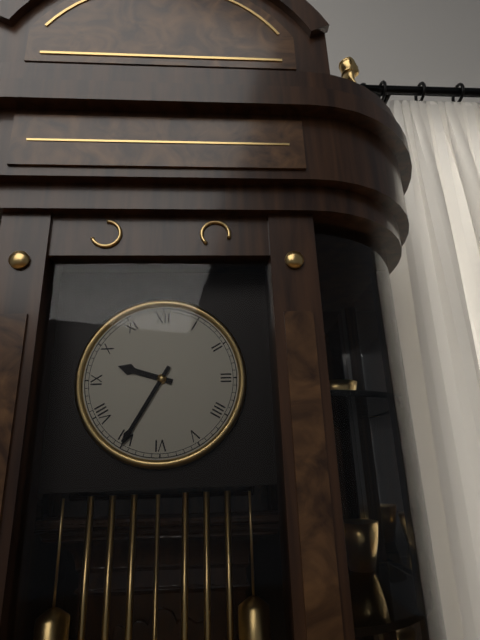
9:35
